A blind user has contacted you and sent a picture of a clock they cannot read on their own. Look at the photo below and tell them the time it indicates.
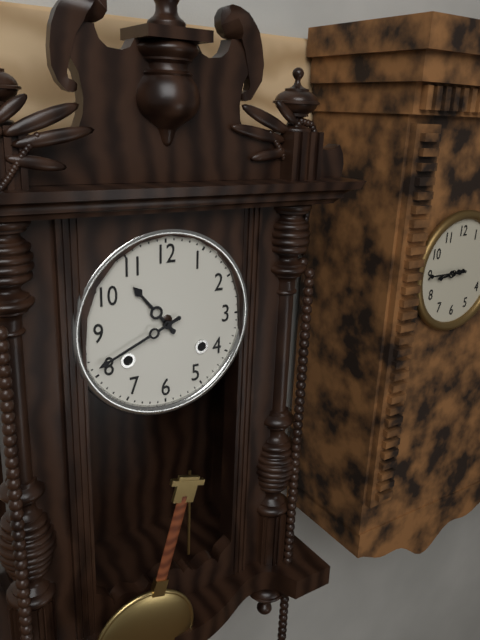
10:41
